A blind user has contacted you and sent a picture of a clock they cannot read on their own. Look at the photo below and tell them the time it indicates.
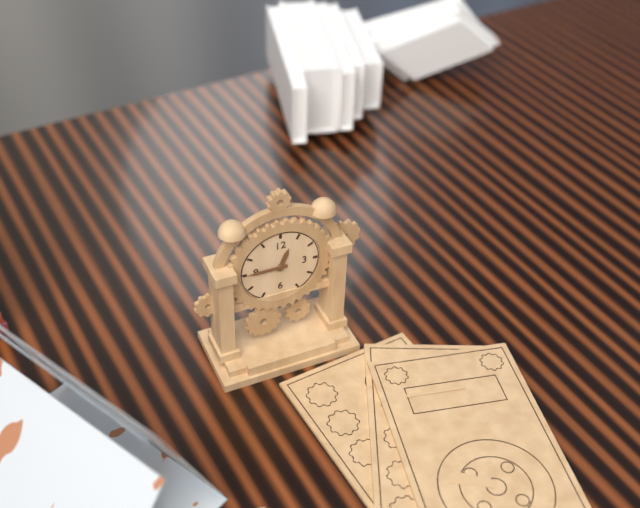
12:45
